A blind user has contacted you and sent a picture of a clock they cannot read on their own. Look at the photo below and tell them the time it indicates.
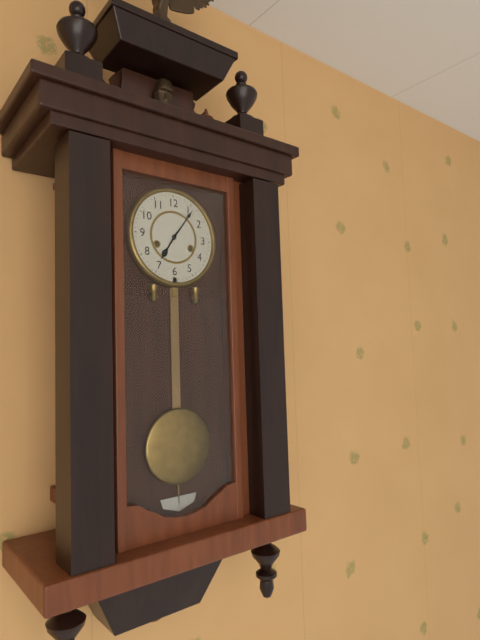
7:06
